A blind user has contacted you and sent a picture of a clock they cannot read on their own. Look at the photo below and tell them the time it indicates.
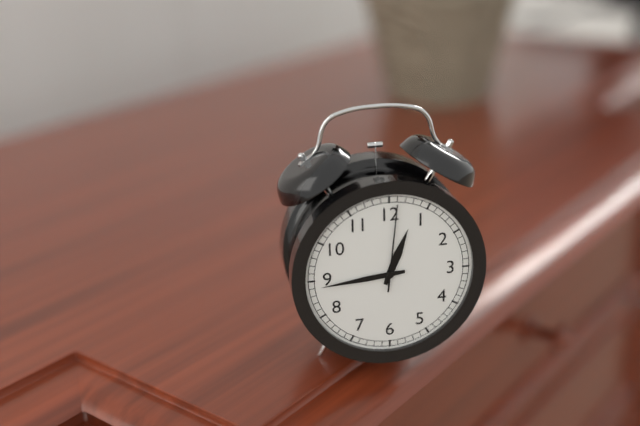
12:44:01
